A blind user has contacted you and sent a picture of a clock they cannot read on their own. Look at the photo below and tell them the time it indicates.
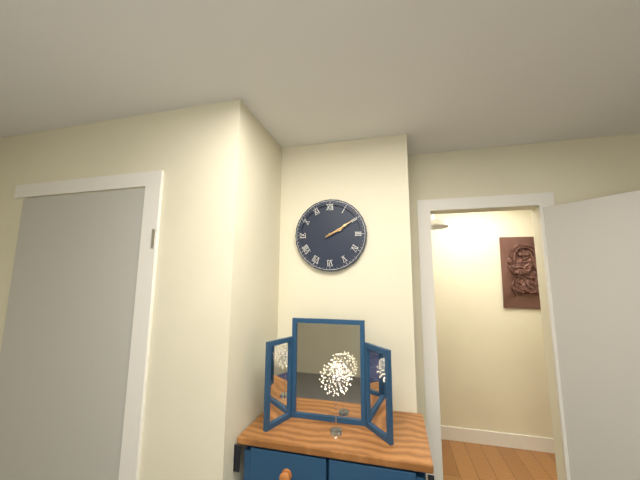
2:10
